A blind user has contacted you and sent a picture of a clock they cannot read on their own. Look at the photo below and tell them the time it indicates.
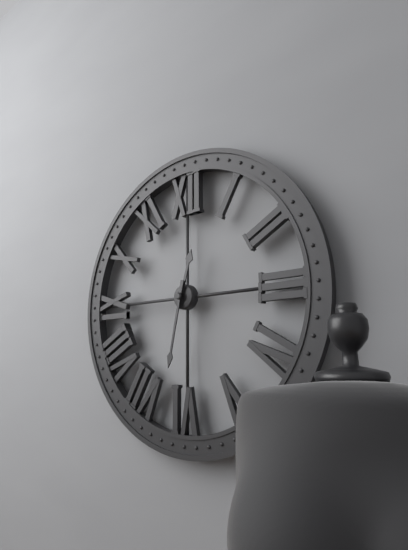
12:32
